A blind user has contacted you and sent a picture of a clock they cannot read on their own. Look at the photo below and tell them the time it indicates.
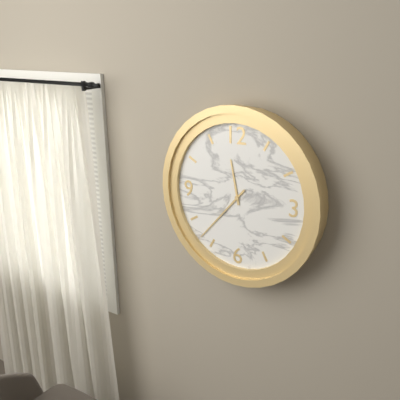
11:37
